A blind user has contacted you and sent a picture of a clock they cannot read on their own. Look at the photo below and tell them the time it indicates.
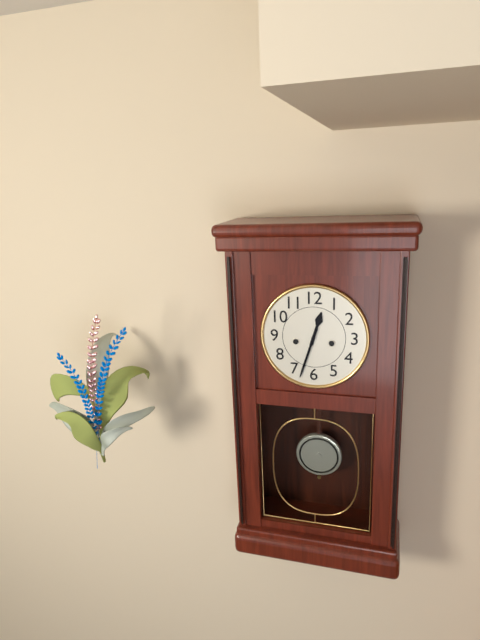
12:33
